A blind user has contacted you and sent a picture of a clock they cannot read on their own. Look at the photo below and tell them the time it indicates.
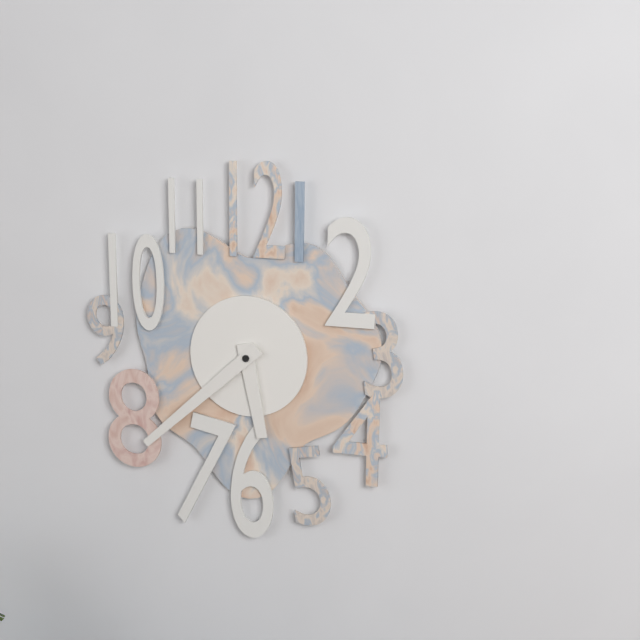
5:38
